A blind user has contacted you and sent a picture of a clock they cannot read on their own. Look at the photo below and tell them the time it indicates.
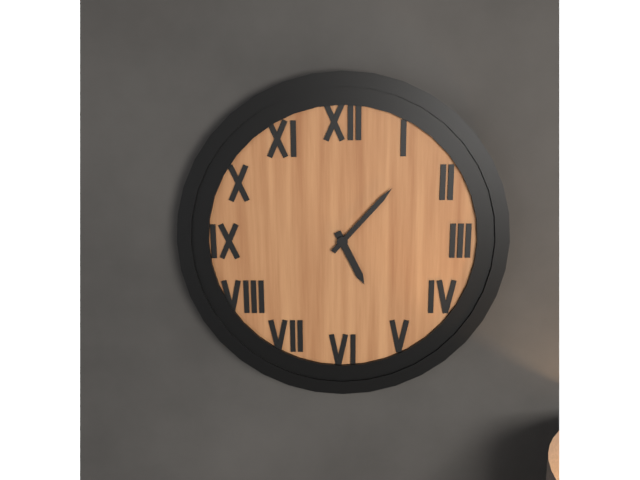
5:07
